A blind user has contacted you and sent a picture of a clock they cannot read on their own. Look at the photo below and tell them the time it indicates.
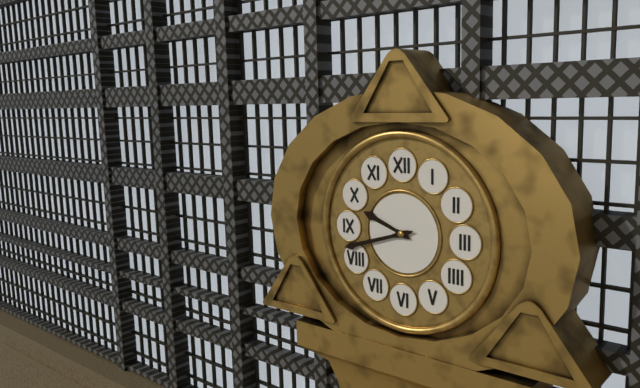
9:42
